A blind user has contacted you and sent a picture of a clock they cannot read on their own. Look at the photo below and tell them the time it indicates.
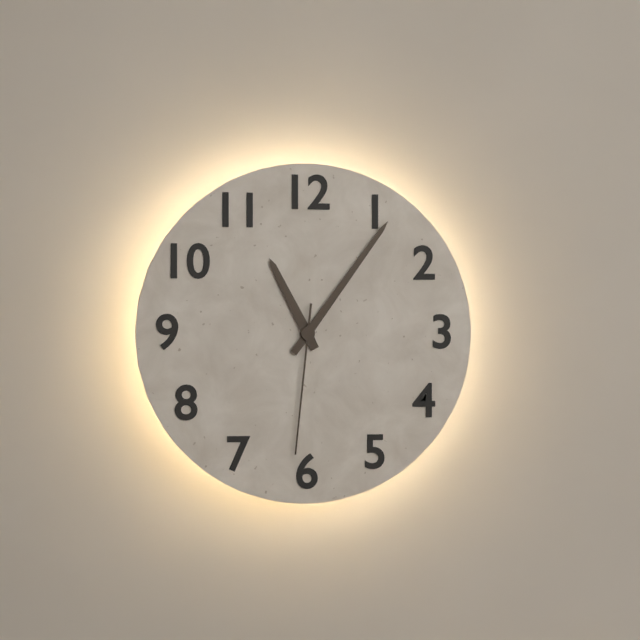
11:06:31
